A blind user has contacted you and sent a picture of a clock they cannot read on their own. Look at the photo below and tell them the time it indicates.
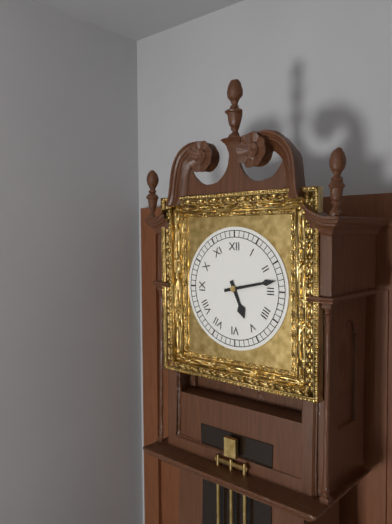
5:13
